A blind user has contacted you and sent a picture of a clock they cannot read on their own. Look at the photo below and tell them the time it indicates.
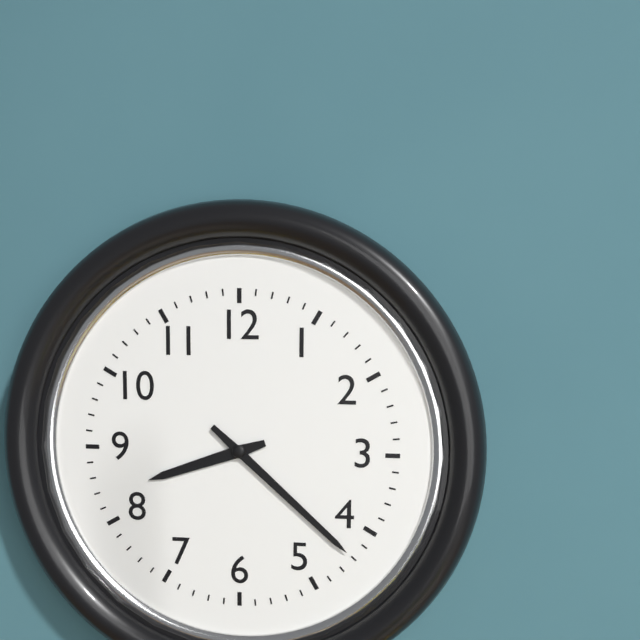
8:22
